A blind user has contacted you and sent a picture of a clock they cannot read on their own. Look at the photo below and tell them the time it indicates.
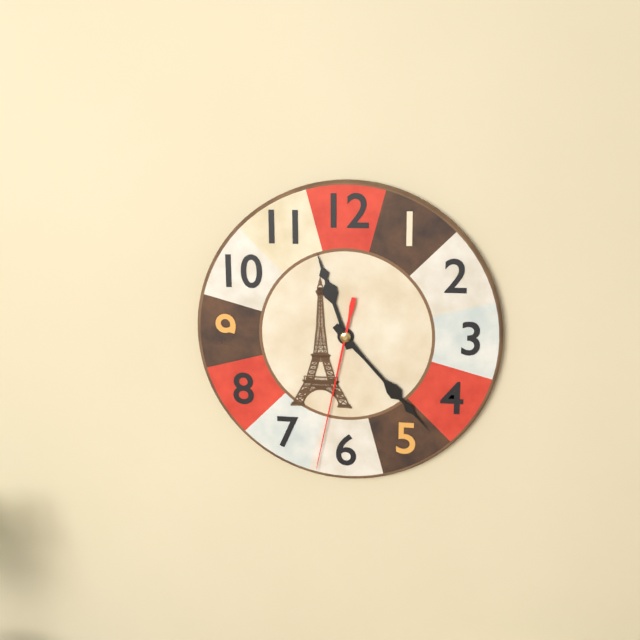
11:23:32
